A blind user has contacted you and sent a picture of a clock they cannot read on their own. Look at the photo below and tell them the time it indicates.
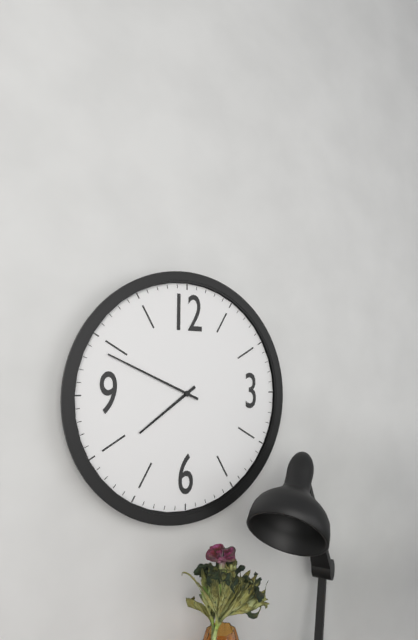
7:49
